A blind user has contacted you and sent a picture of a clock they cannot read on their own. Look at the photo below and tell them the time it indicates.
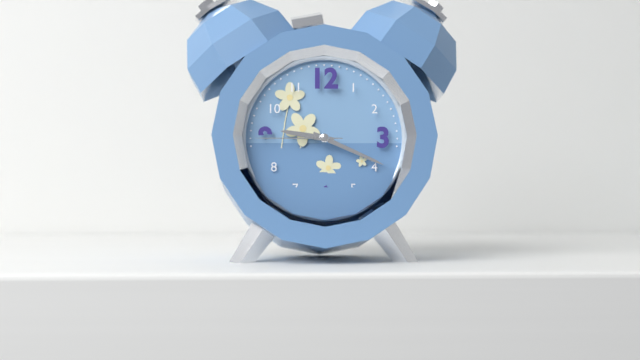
9:19:45
